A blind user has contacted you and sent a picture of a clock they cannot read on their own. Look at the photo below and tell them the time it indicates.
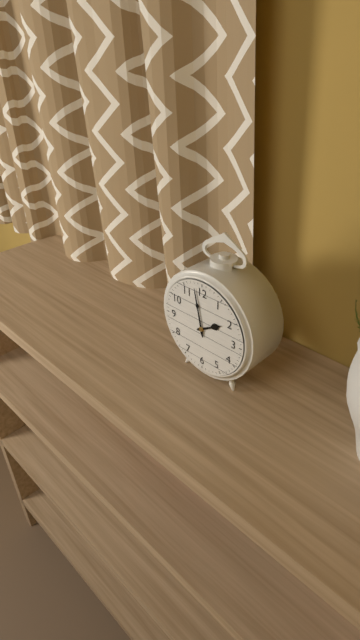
1:58
